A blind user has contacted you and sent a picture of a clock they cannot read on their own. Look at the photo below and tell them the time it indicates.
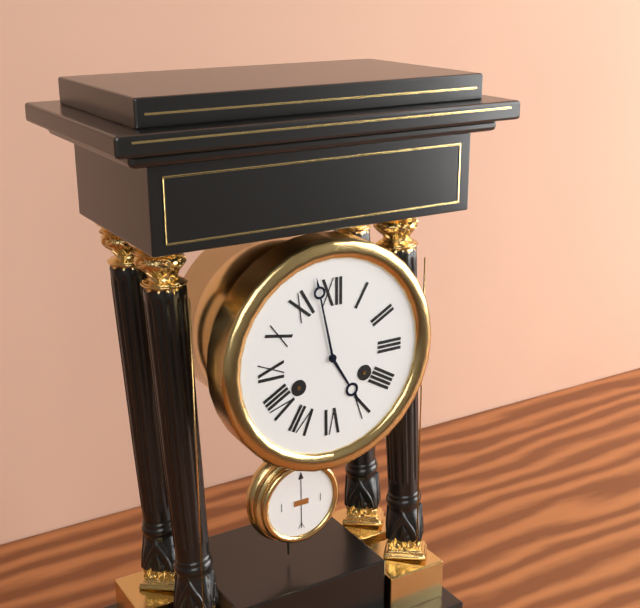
4:58
